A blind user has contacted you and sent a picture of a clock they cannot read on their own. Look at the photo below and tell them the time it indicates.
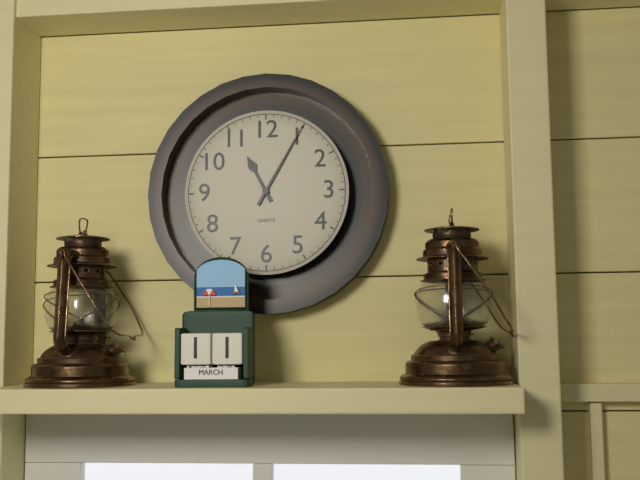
11:05
